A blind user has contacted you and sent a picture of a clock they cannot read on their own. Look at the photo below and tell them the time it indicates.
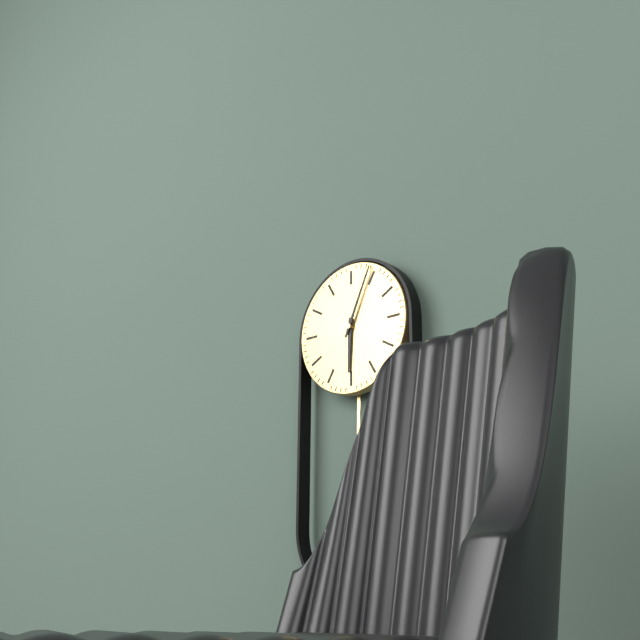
6:04
